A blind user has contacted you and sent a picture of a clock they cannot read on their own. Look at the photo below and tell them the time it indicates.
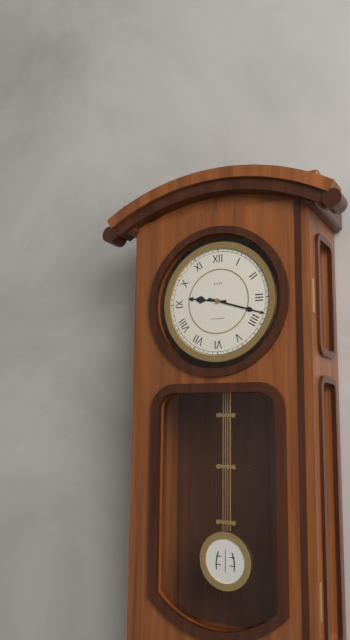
9:18
